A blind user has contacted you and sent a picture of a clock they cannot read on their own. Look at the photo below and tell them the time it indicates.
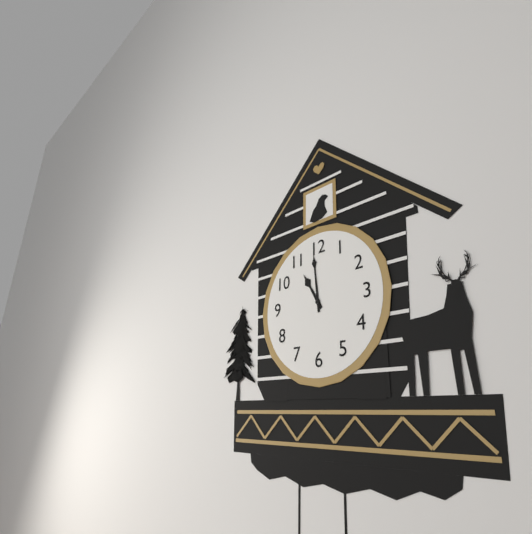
10:59
